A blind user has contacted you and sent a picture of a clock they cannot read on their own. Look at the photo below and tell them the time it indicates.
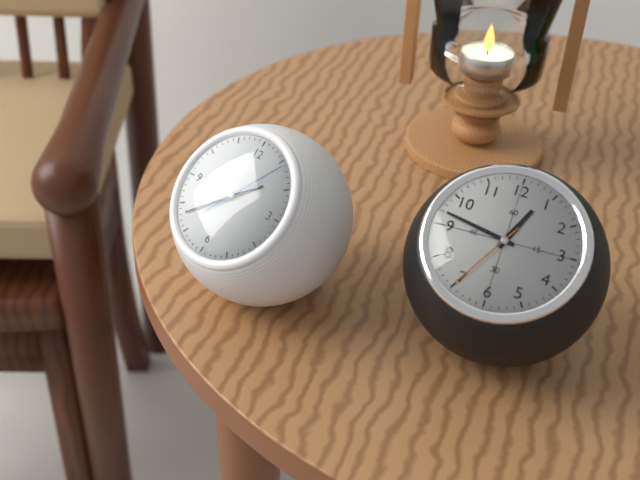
1:38:06
